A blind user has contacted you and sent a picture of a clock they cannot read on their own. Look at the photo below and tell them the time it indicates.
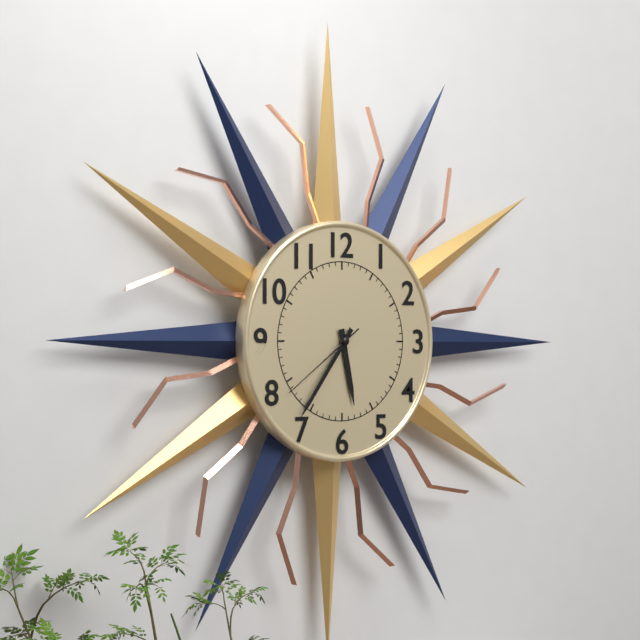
5:36:39
